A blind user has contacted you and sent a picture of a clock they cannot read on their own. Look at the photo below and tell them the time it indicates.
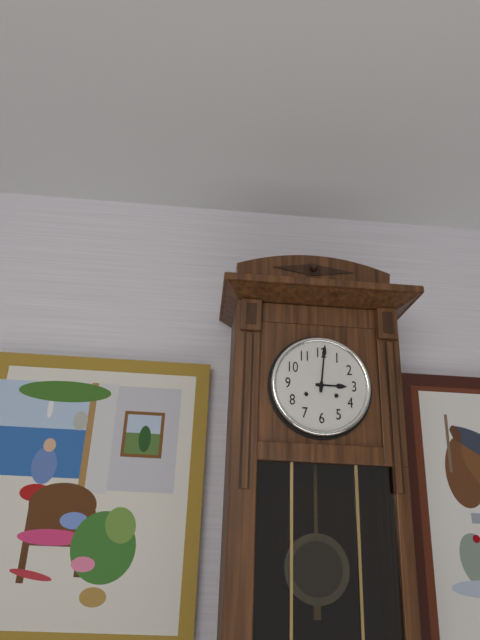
3:01
